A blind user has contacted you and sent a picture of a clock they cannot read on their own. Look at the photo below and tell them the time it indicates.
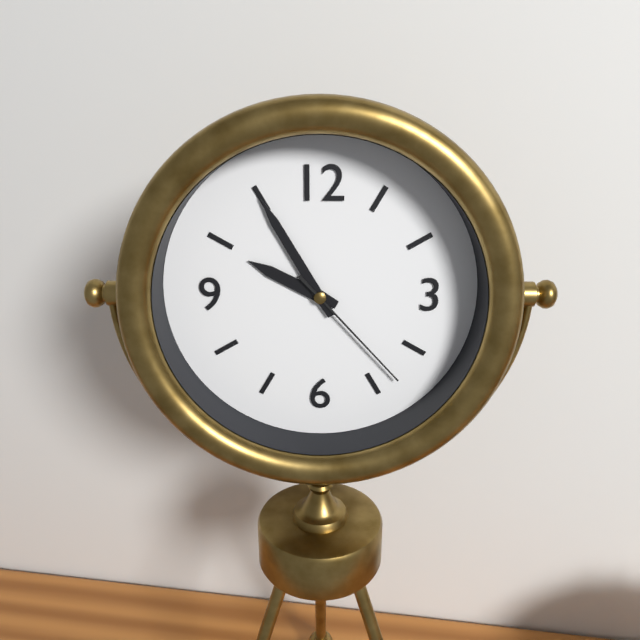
9:55:23
